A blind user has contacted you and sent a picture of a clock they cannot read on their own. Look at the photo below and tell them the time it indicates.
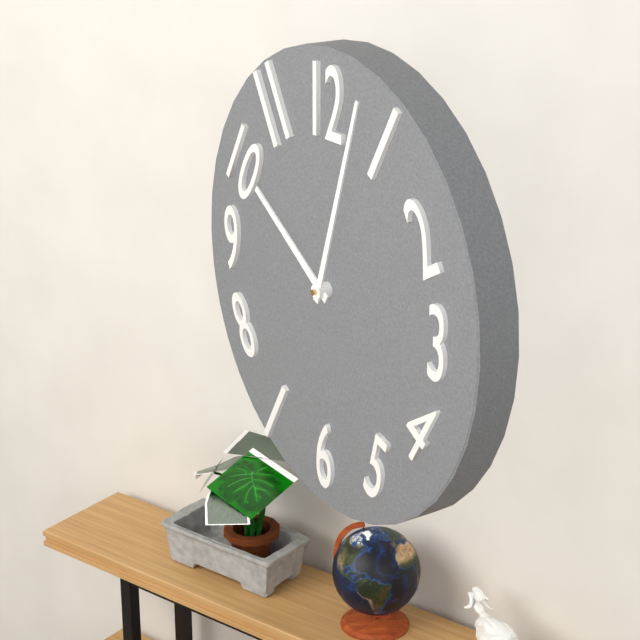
10:03
